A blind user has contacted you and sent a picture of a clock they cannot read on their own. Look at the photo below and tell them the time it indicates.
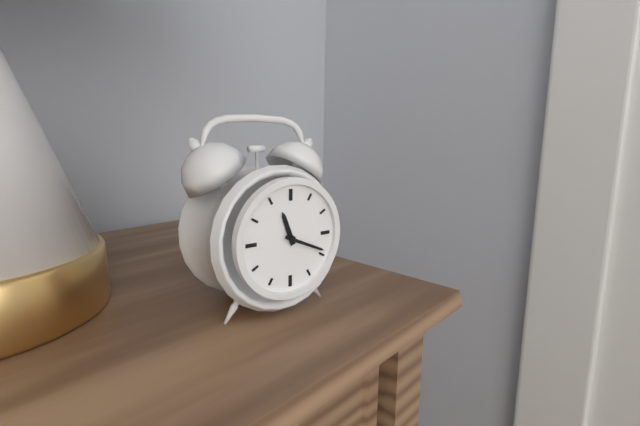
11:19
